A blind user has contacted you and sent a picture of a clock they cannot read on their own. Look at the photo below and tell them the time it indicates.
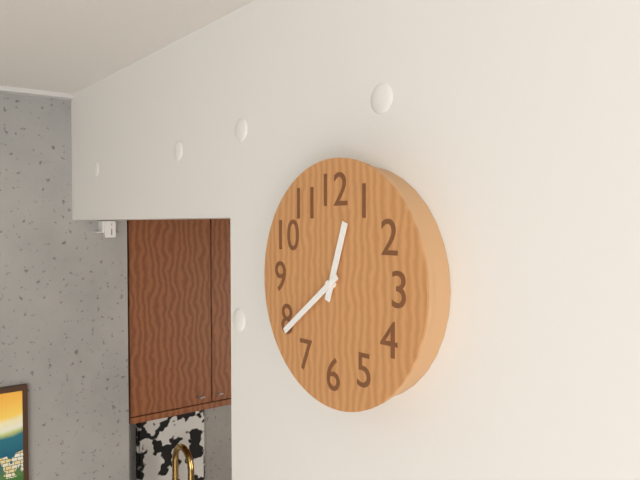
12:39
